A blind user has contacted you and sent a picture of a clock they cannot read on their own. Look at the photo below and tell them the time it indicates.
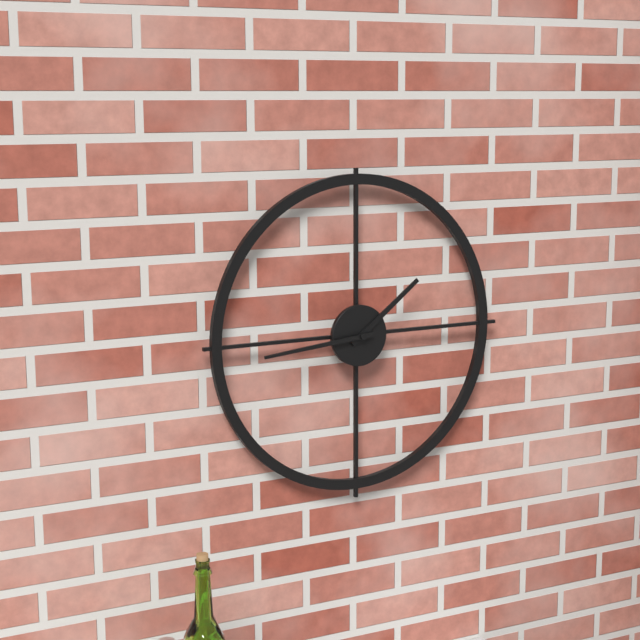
1:44
